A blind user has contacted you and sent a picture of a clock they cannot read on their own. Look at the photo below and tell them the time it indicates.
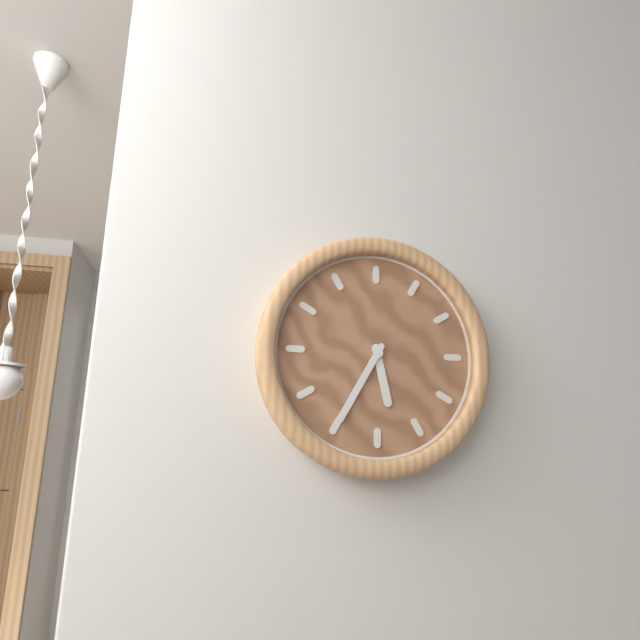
5:35
